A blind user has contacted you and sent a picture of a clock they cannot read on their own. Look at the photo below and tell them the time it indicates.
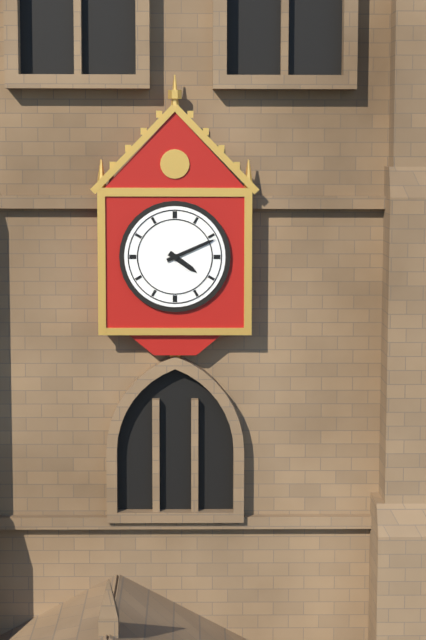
4:11
